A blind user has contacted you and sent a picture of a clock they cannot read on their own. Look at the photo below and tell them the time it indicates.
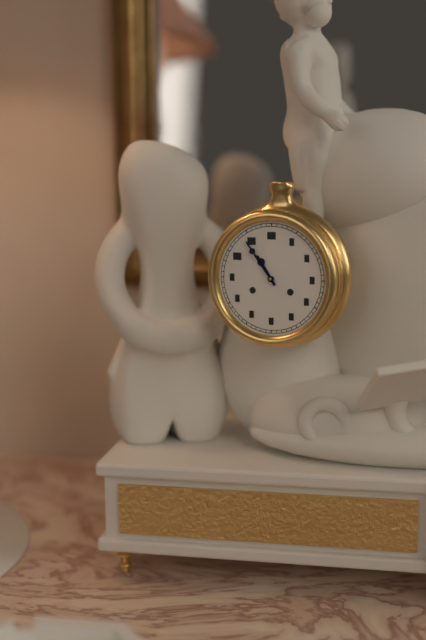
10:54
